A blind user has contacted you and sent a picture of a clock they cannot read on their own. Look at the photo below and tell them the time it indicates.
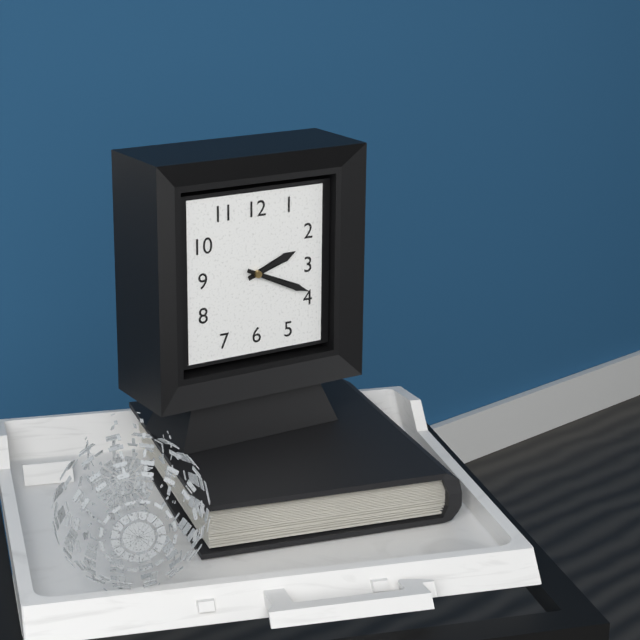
2:19
